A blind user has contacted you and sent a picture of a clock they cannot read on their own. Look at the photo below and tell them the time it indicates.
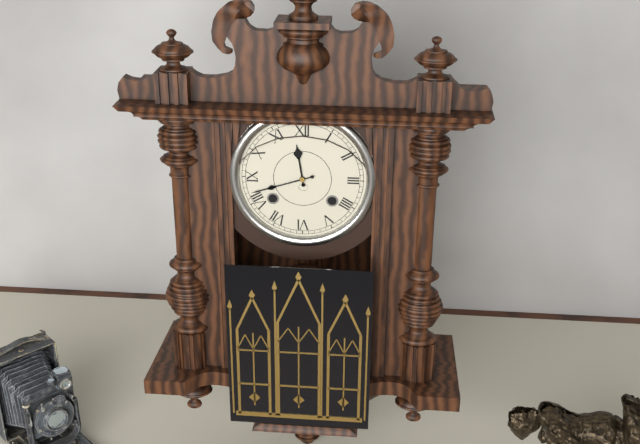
11:42
